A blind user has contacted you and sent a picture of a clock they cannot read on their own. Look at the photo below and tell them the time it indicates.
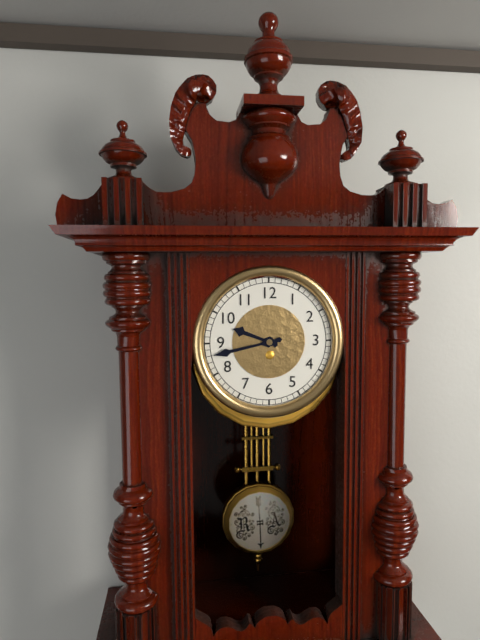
9:43
